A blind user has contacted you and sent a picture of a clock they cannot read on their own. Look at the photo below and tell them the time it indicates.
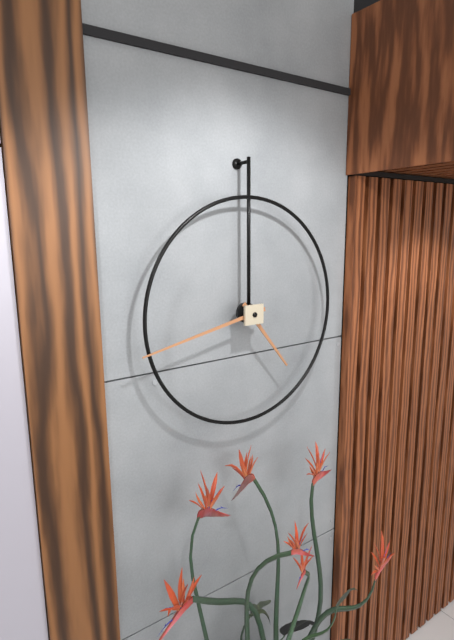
4:43
